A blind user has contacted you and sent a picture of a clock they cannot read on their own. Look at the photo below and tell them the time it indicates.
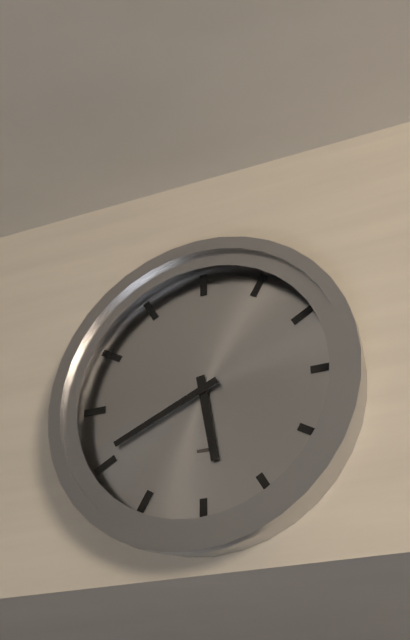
5:41
